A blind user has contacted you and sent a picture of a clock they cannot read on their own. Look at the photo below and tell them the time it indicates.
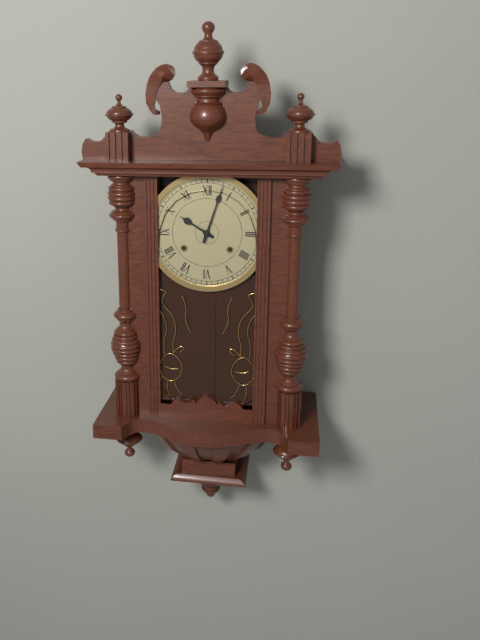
10:03
